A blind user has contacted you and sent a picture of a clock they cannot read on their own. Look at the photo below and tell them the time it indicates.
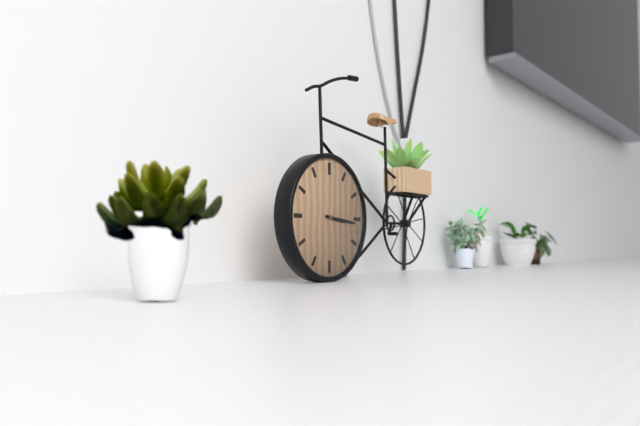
3:16
